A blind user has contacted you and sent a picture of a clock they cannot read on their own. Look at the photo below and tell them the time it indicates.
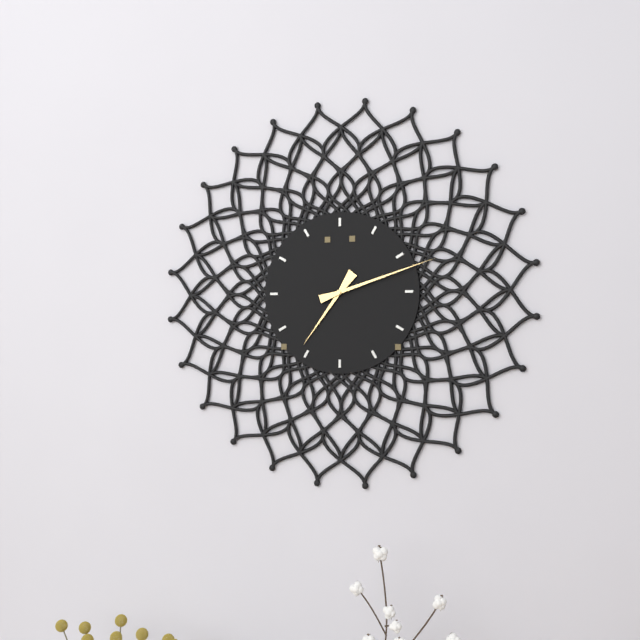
7:12
